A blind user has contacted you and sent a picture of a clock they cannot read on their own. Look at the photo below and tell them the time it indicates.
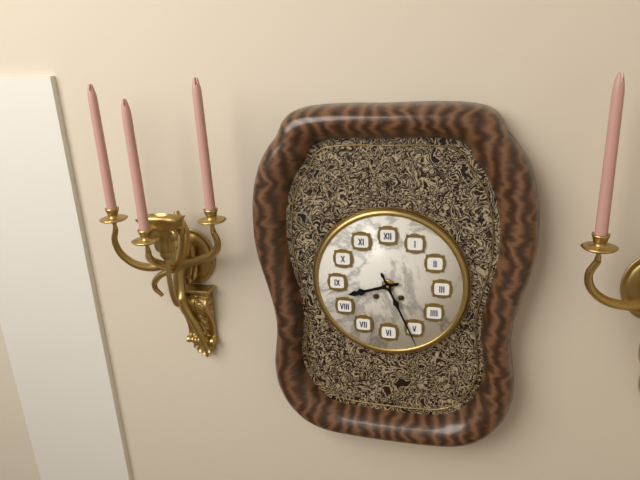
8:26
